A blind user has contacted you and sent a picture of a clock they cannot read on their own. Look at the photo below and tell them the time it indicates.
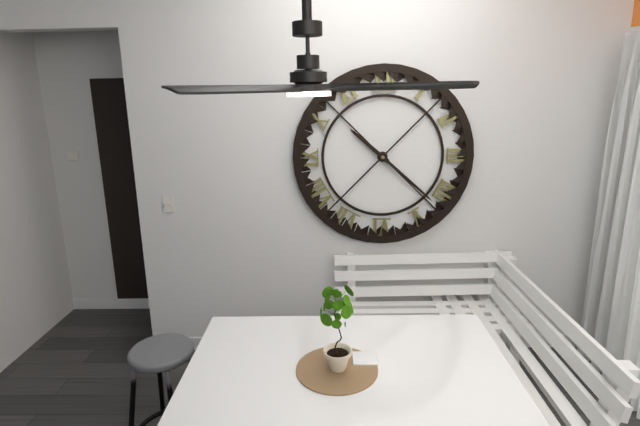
10:22
